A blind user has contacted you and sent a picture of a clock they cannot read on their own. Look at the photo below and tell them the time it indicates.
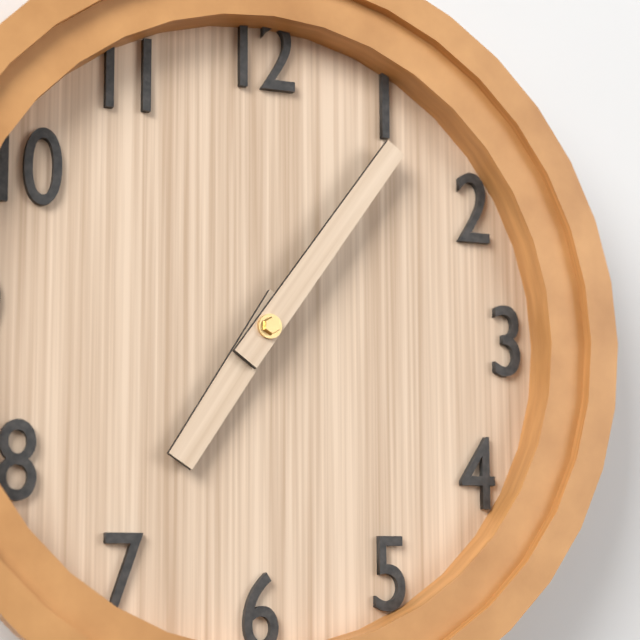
7:06
